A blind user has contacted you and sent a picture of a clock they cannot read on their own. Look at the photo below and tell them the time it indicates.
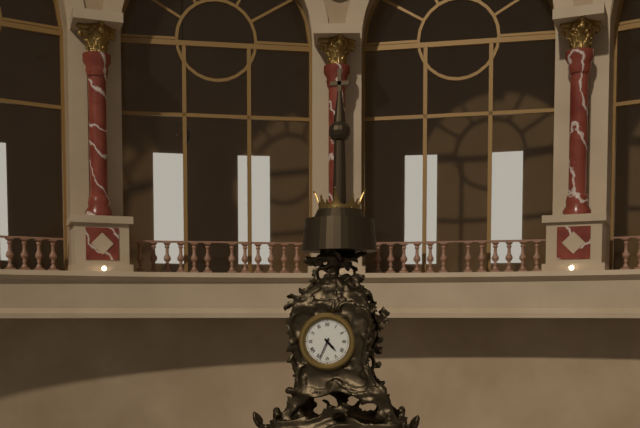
4:34
